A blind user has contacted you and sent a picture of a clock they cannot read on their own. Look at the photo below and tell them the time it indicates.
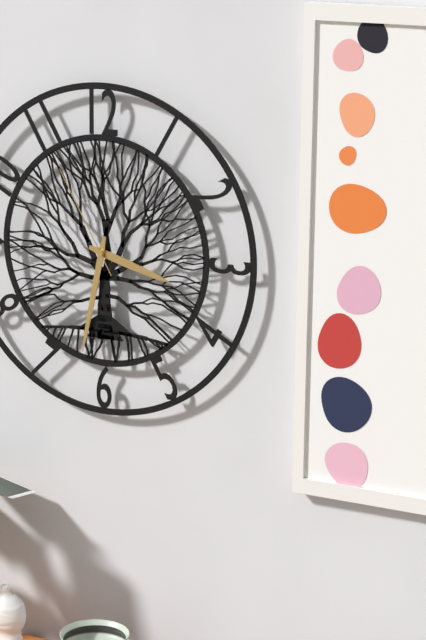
3:32:55
